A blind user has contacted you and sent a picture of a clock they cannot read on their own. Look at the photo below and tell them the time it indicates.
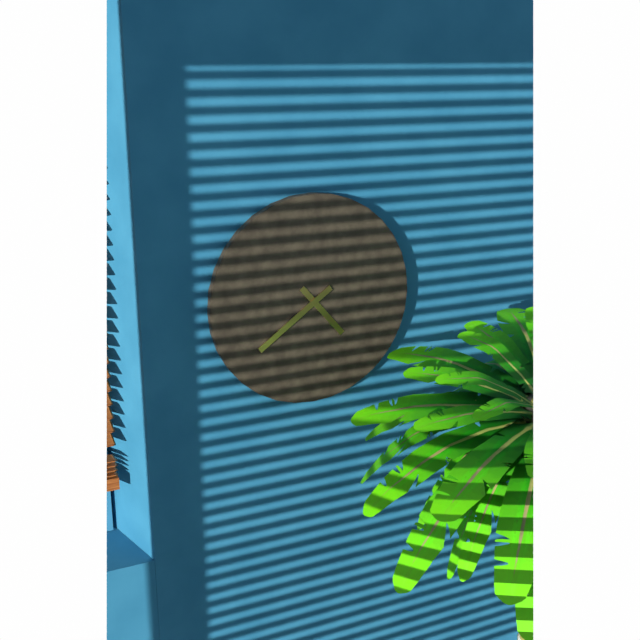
4:39
